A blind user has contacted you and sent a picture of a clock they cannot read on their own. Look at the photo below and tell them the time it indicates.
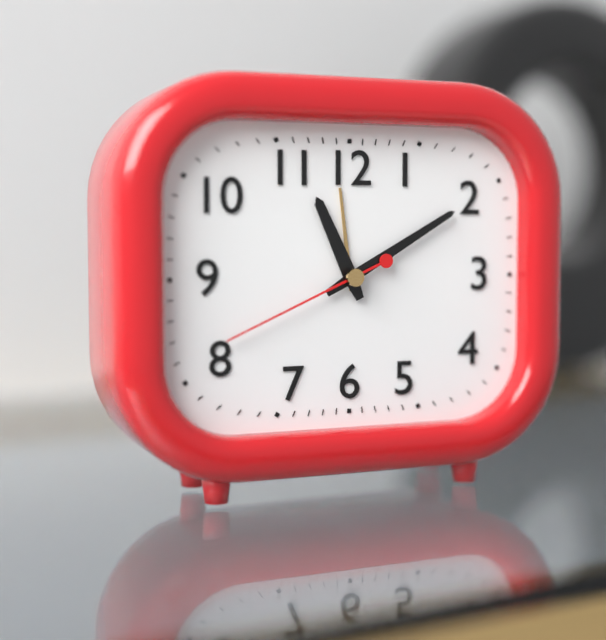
11:10:41
